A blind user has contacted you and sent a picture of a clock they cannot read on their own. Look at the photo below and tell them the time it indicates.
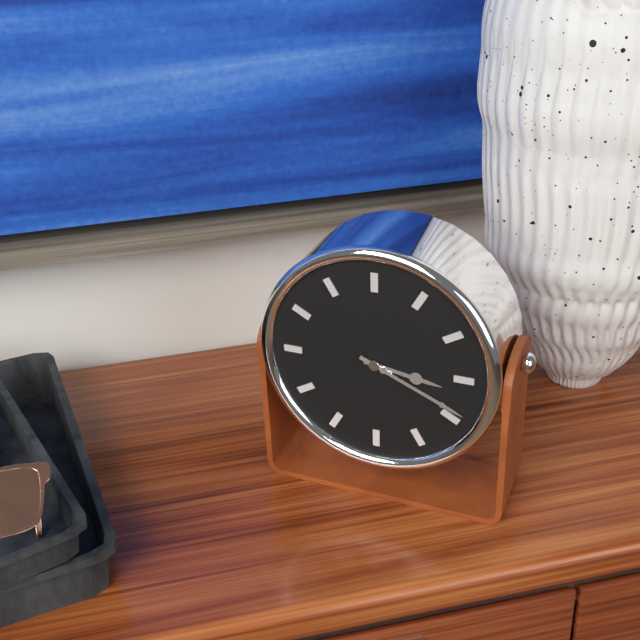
3:19
